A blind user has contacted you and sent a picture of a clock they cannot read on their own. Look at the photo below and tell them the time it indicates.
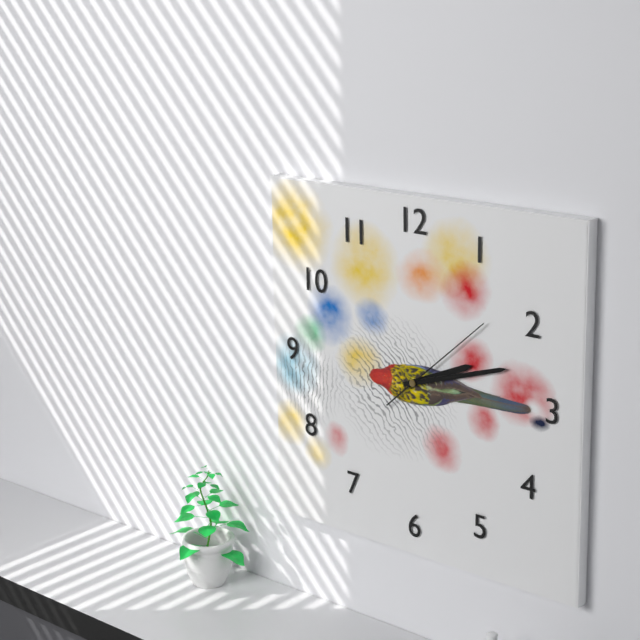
2:12:08
